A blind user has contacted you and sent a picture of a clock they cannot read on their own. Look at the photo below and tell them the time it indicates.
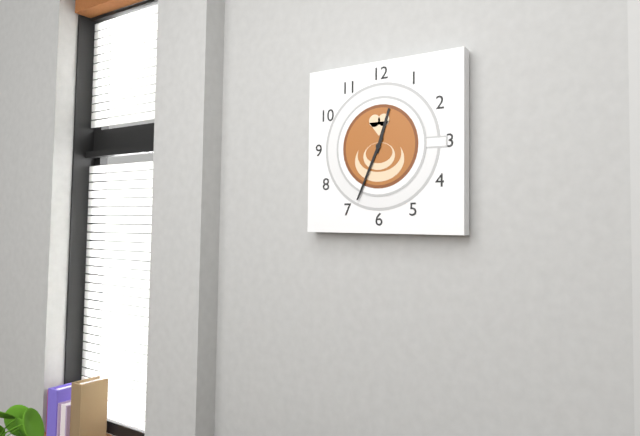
12:34
